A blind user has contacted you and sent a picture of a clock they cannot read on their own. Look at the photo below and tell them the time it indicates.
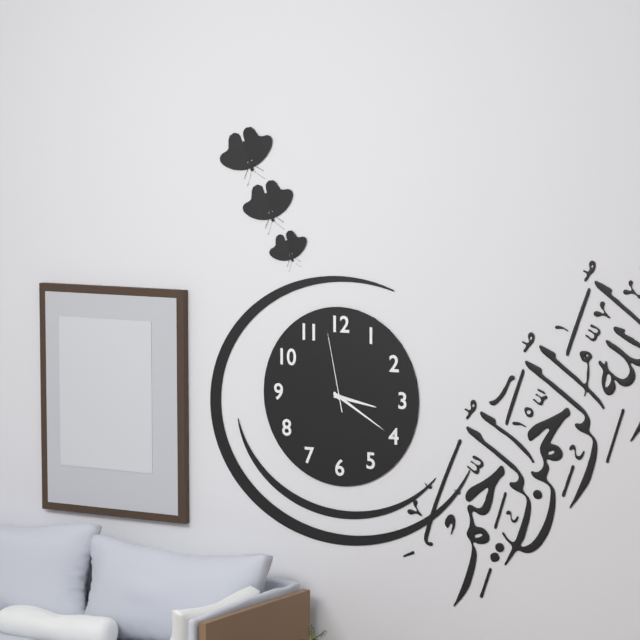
3:20:58
